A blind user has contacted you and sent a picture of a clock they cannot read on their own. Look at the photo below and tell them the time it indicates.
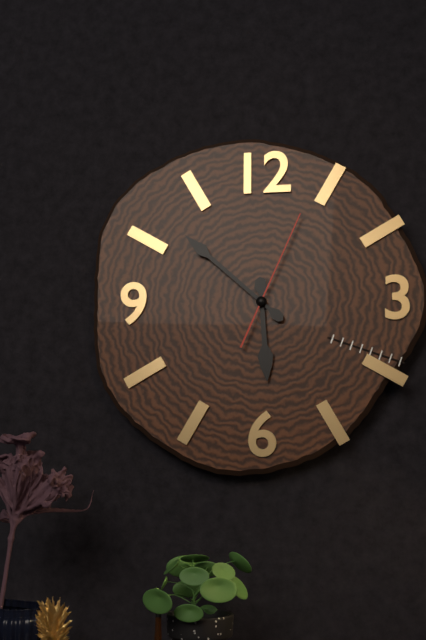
5:52:04
